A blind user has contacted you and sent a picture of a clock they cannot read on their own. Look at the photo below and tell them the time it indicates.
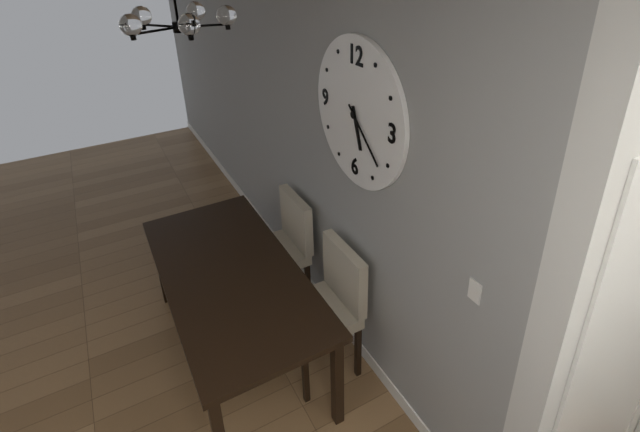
5:22
